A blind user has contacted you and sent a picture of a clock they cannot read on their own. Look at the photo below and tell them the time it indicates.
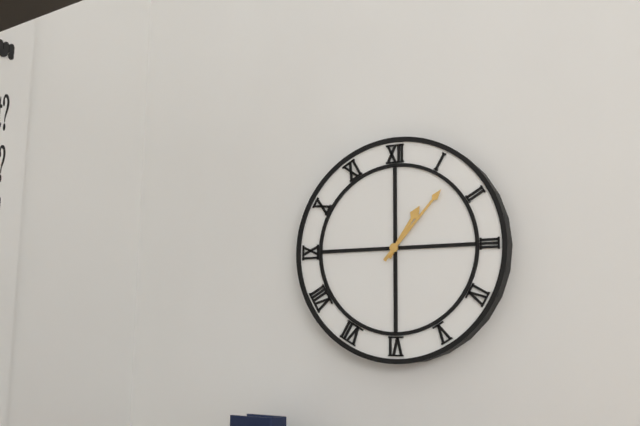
1:07
